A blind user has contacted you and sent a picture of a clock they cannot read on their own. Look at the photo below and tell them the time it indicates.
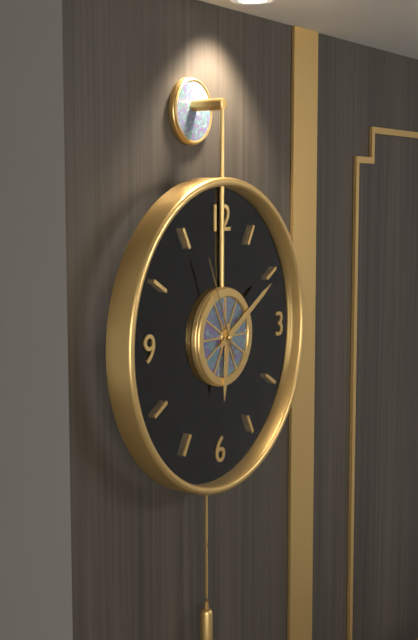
6:10:56
